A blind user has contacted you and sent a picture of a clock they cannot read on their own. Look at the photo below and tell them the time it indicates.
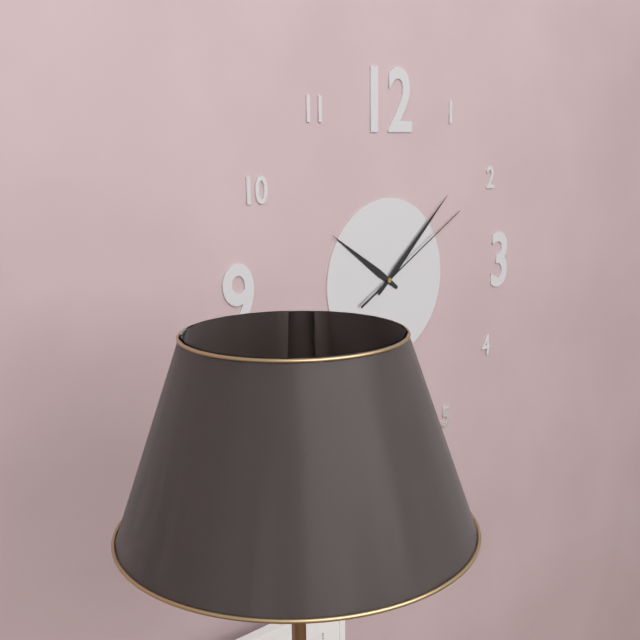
10:08:10
